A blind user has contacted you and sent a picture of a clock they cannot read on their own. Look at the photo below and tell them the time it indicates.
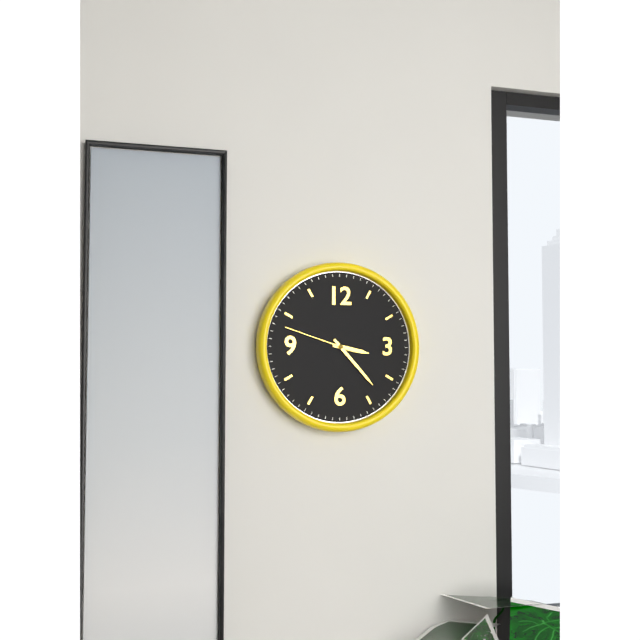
3:23:48
